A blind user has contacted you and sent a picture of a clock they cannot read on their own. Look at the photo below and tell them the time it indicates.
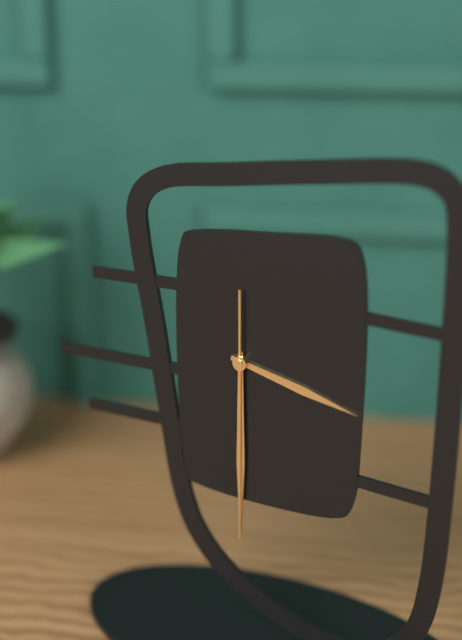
3:30:30
